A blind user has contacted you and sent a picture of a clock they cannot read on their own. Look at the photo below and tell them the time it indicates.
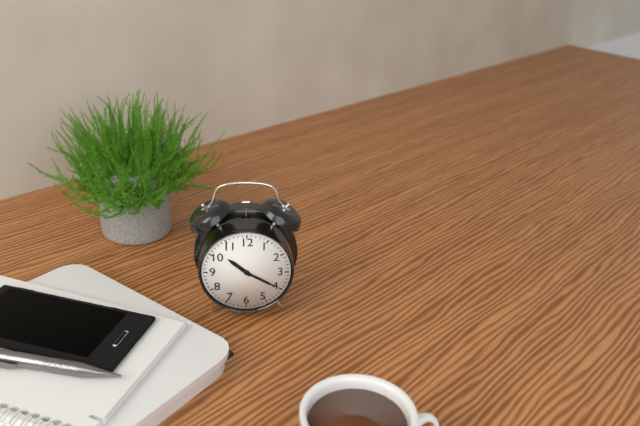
10:20
